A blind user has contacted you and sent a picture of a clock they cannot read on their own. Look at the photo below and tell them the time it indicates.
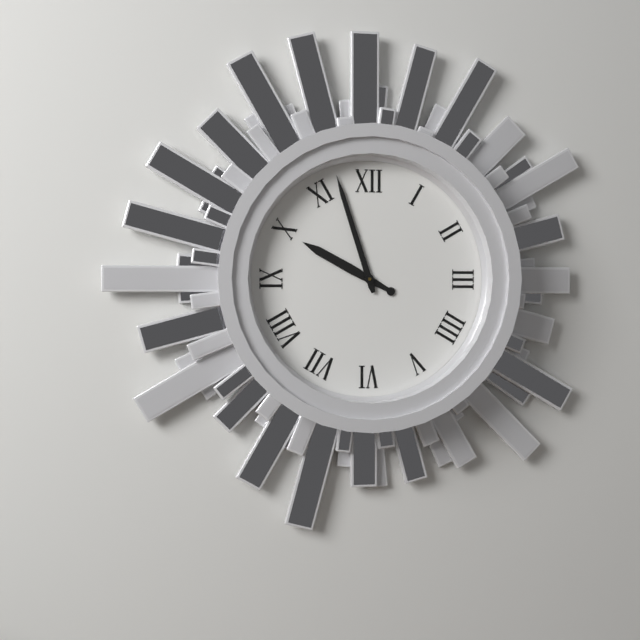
9:57
